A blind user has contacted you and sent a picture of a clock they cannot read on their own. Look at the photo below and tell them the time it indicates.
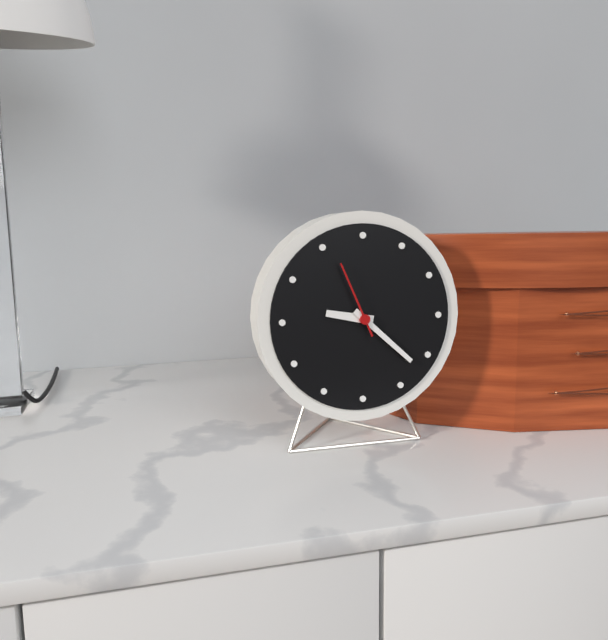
9:22:56
